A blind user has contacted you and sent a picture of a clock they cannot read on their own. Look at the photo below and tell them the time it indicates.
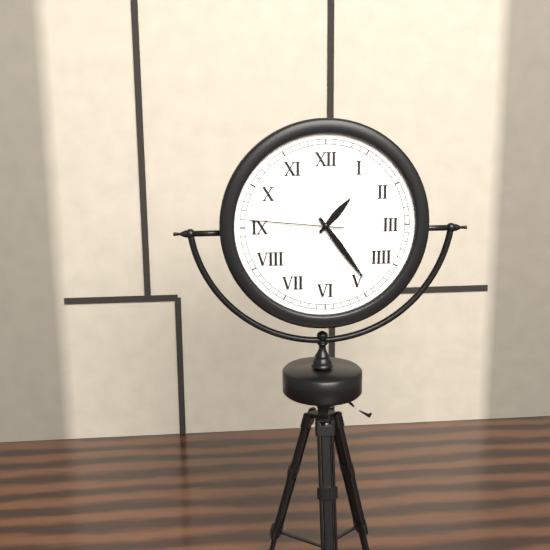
1:24:46
